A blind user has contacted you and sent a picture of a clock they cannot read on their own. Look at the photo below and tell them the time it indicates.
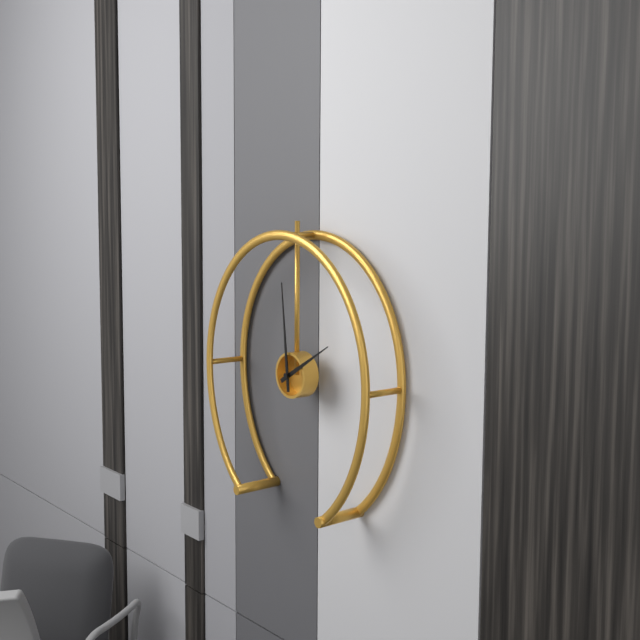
1:59
